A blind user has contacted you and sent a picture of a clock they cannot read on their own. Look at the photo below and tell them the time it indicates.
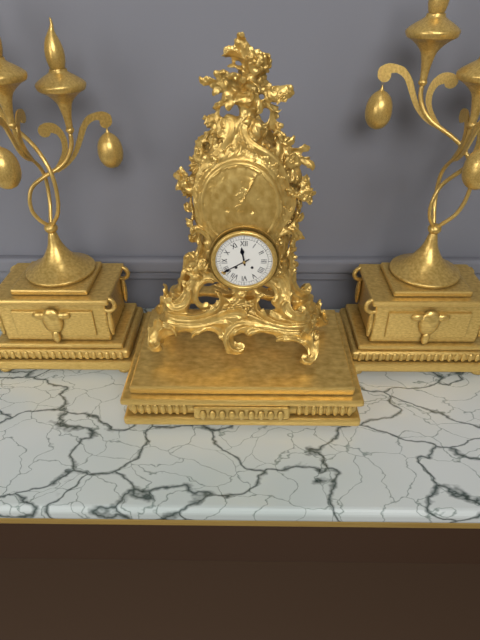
11:40
